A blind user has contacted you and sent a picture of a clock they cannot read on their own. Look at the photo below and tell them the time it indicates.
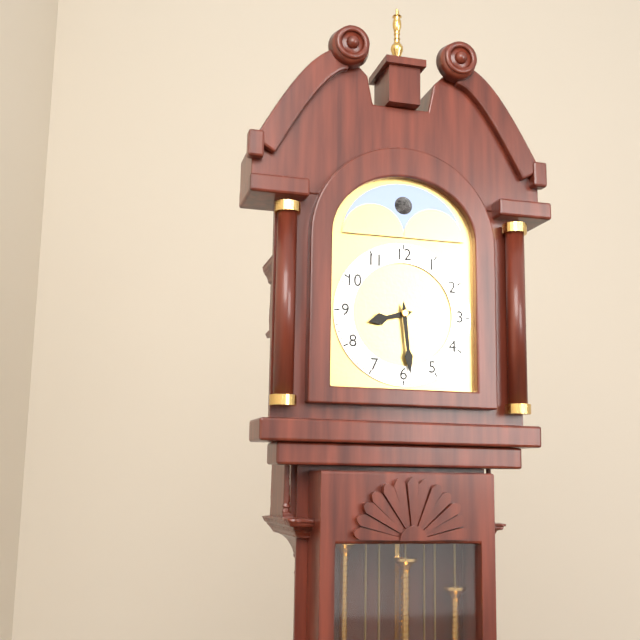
8:29
